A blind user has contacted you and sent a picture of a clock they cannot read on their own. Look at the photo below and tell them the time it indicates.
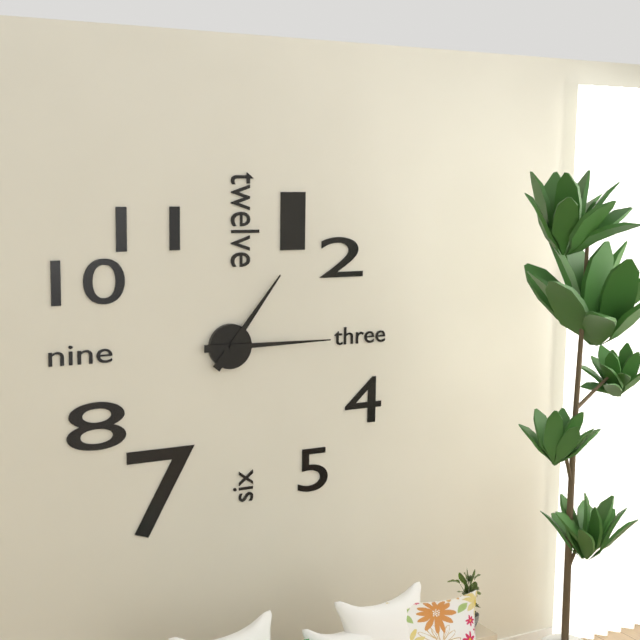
1:15
